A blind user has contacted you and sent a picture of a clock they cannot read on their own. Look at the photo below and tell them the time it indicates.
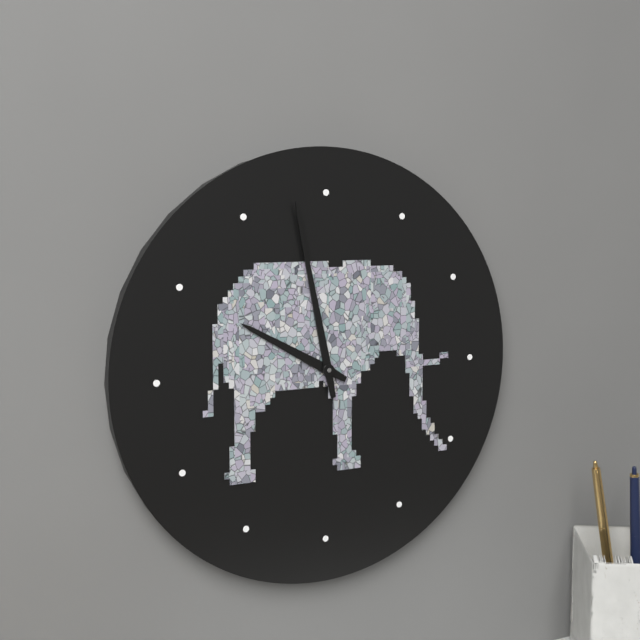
9:58
